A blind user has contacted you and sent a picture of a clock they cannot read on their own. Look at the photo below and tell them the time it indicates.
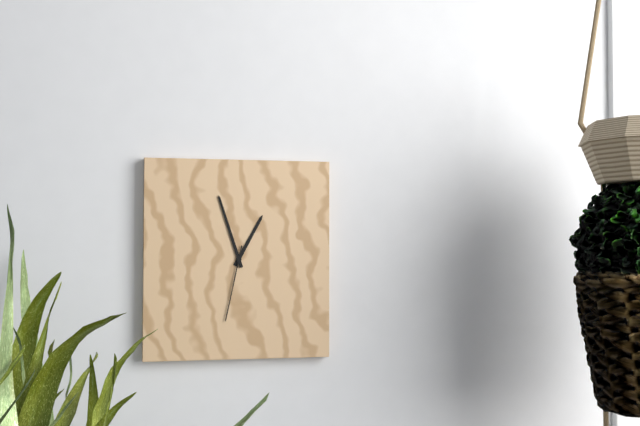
12:57:32
